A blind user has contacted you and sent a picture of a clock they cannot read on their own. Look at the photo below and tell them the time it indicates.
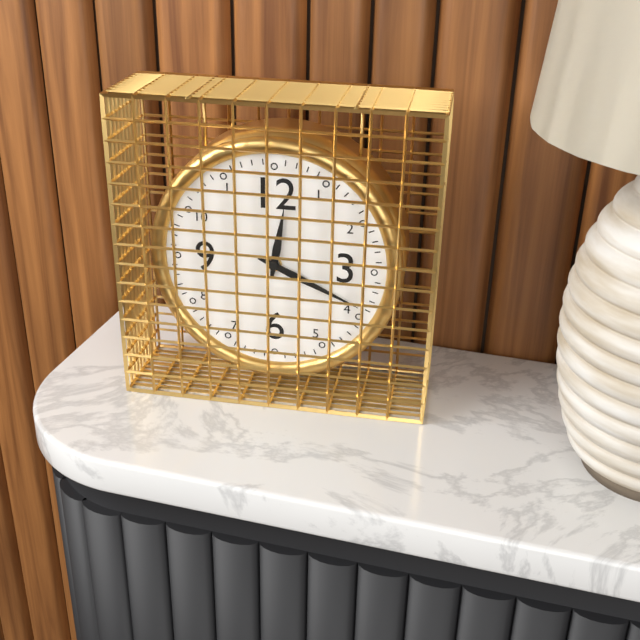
12:19
